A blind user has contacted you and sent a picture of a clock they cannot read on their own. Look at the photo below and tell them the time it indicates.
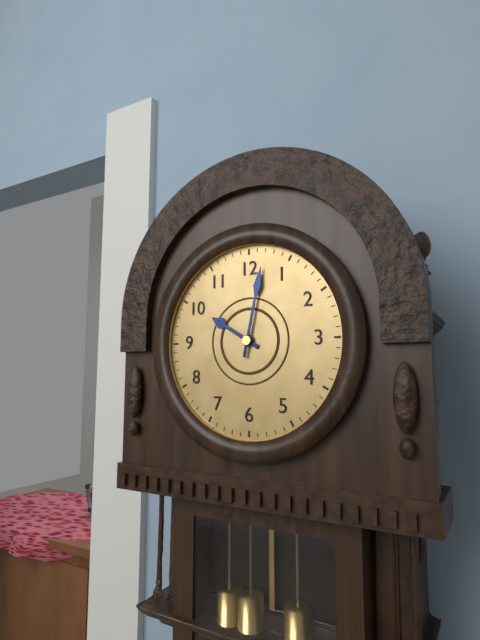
10:02
